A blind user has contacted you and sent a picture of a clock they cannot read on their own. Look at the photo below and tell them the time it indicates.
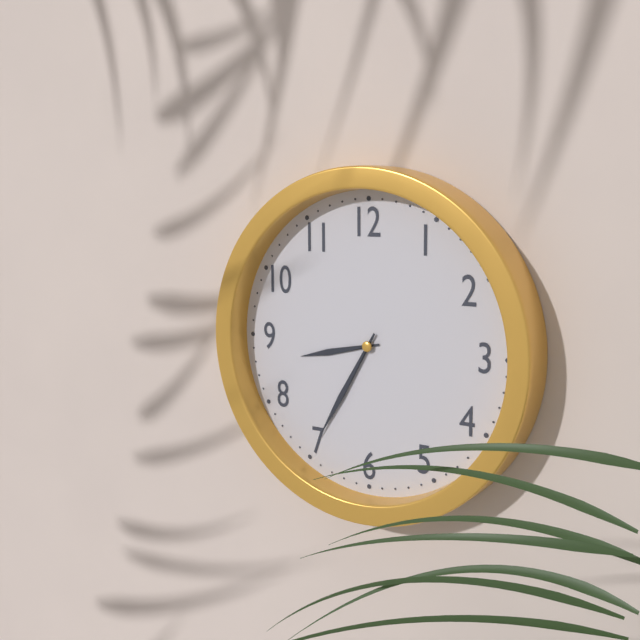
8:35
